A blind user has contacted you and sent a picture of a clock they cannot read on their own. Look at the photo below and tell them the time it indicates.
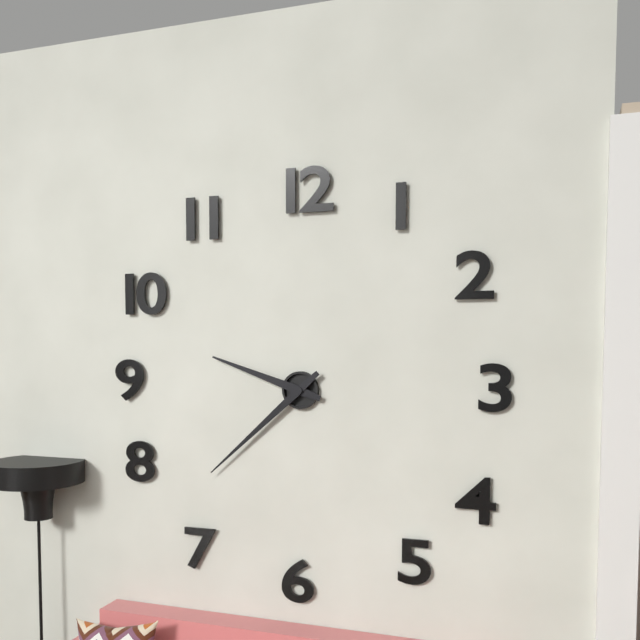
9:38
